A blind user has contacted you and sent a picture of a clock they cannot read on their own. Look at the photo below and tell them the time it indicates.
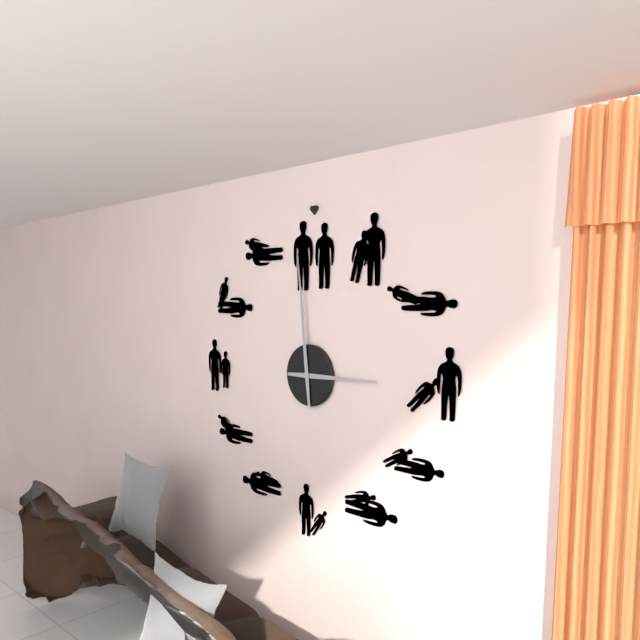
2:59
